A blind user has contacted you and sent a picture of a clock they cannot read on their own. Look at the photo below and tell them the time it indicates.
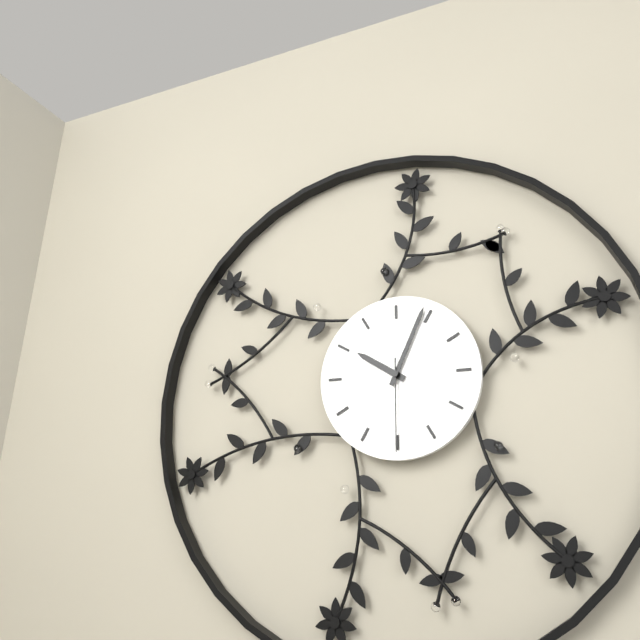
10:04:30
